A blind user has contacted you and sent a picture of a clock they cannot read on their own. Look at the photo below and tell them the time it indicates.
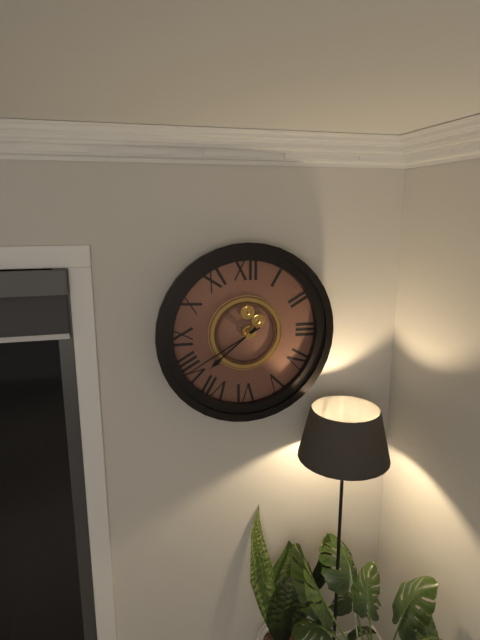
7:40
